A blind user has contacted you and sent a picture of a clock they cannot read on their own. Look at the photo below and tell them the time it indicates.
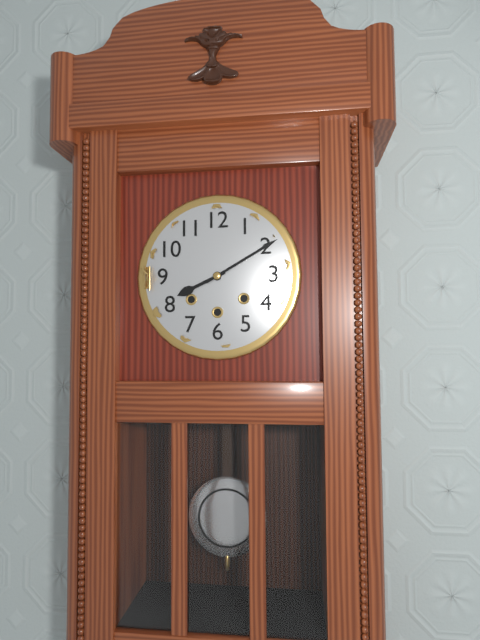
8:10
